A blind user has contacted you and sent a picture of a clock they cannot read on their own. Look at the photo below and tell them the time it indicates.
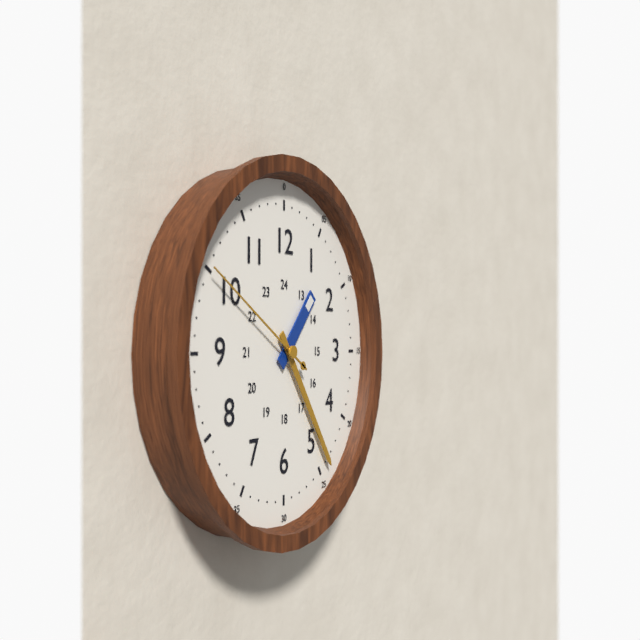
1:24:50
